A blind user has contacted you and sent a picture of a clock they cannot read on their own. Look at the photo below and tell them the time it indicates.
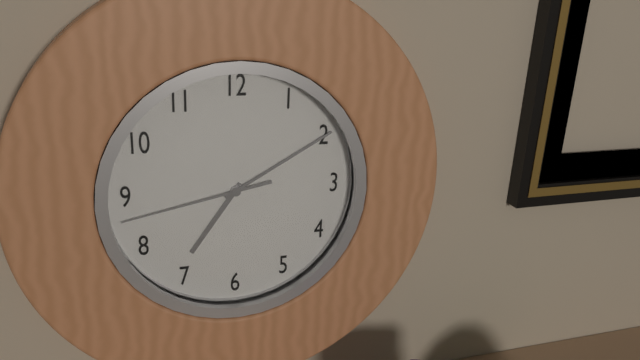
7:10:43
